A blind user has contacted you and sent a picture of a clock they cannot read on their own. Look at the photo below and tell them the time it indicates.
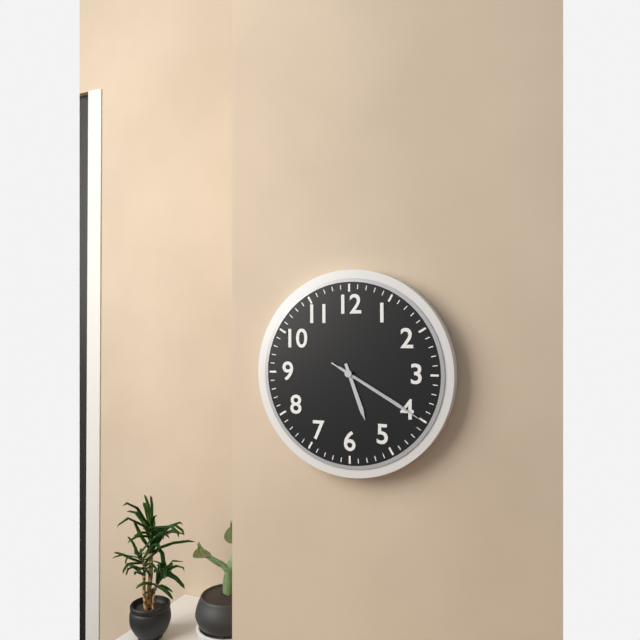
5:20:20
